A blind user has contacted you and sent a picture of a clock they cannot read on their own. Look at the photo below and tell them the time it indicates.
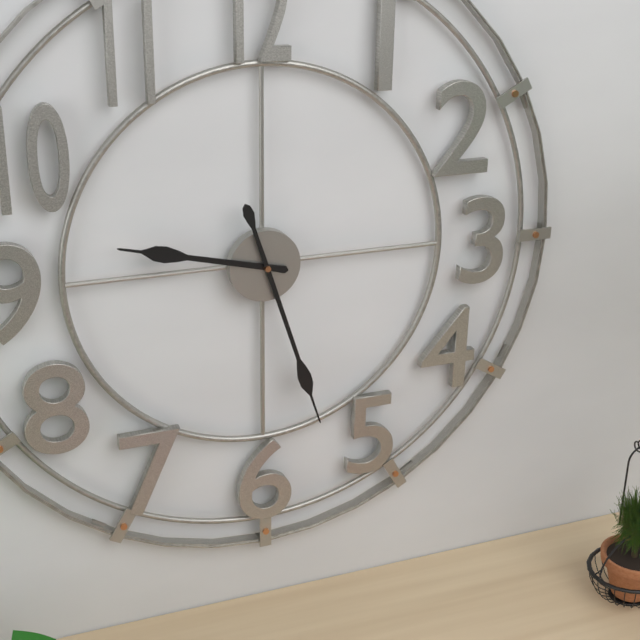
9:27
